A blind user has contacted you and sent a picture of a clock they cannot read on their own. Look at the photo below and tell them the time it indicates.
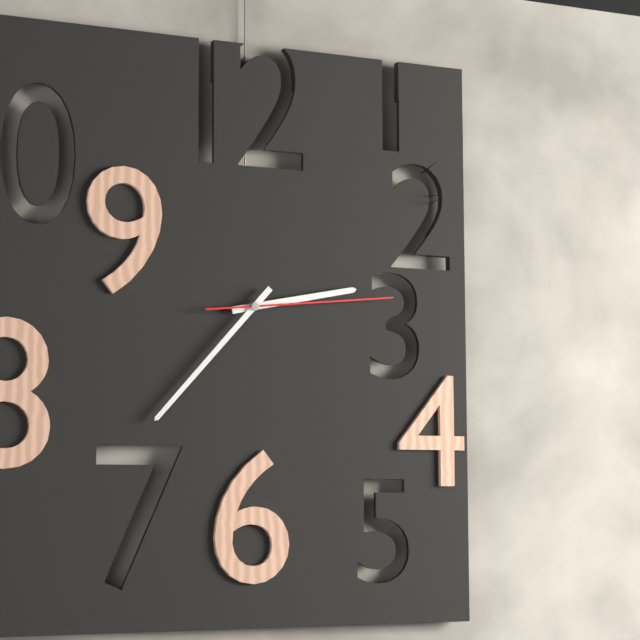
2:37:14
